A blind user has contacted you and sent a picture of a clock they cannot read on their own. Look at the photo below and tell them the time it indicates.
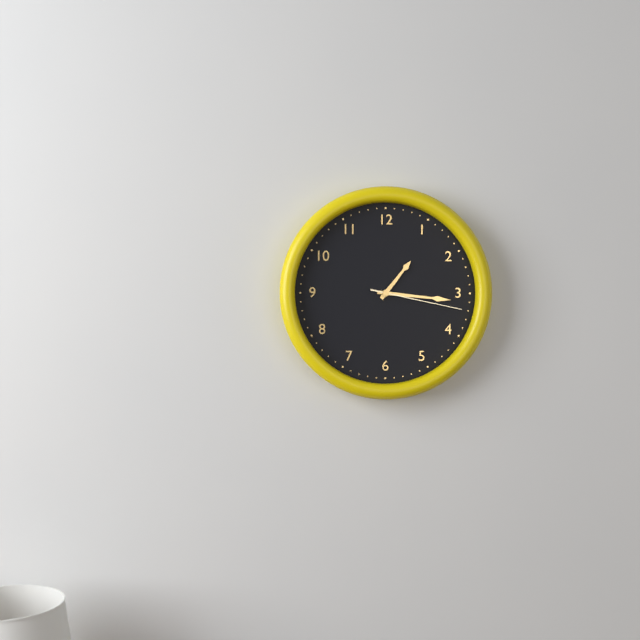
1:16:17
